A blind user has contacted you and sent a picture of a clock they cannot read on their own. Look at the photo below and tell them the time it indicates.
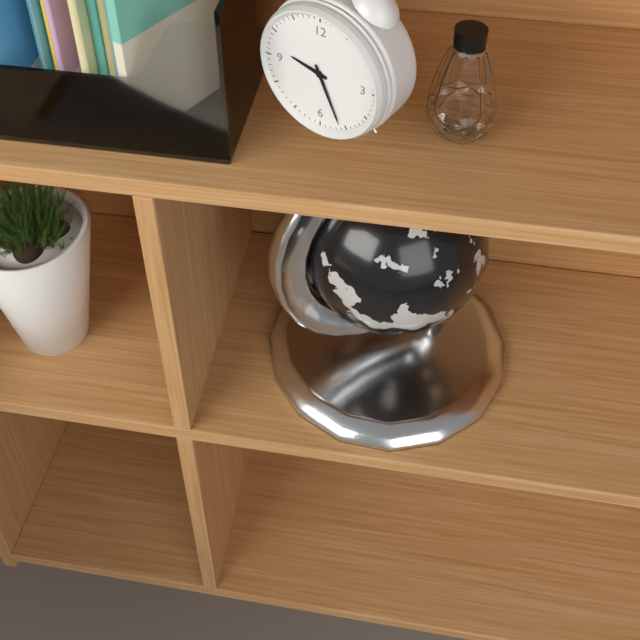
9:26
